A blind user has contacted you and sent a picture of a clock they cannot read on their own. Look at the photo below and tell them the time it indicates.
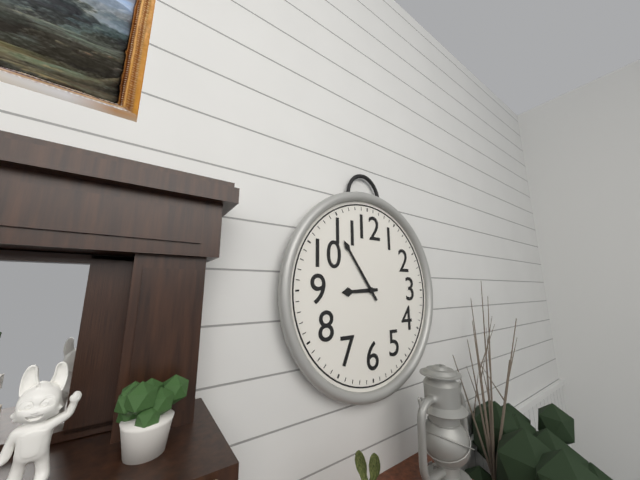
8:54
